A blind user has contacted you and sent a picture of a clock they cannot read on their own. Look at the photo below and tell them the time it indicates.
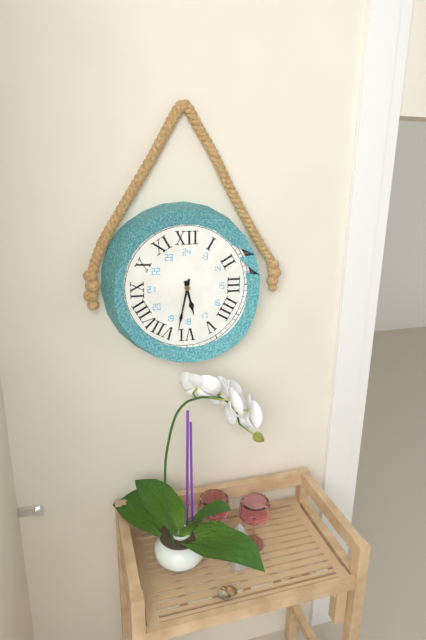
5:32
